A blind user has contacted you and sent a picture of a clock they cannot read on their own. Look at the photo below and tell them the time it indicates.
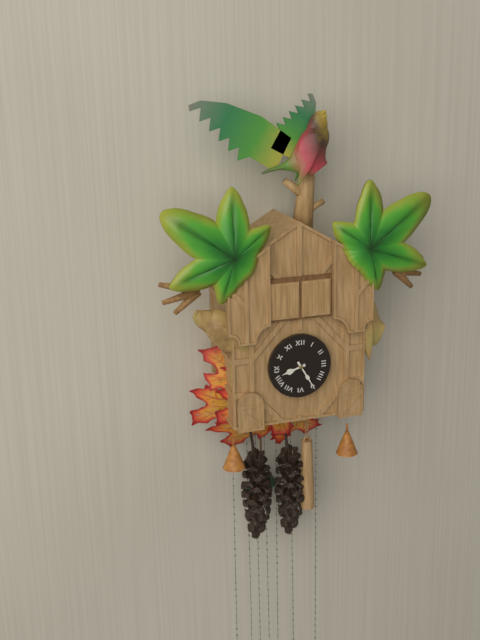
8:25
